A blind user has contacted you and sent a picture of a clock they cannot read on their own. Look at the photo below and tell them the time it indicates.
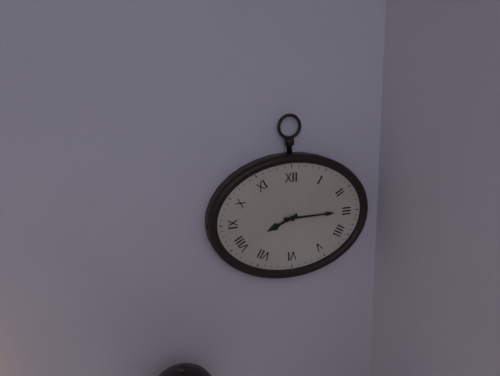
8:15
